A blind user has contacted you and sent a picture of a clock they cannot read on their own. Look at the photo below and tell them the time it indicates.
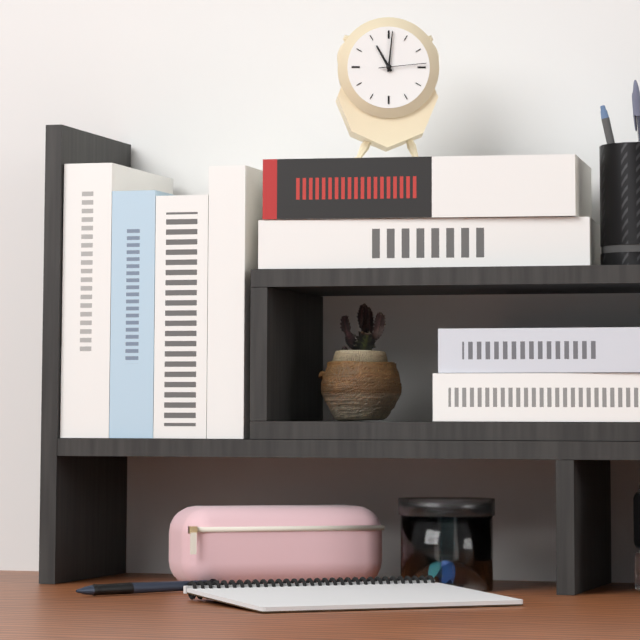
11:01
